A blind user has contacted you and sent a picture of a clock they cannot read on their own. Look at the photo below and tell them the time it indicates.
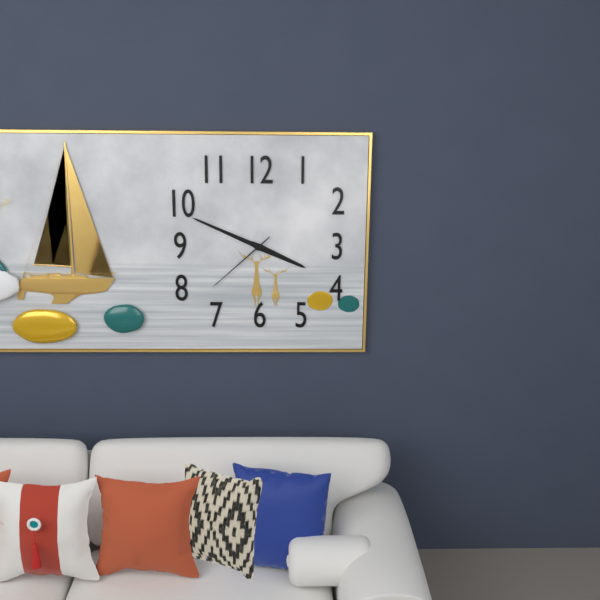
3:49:38
